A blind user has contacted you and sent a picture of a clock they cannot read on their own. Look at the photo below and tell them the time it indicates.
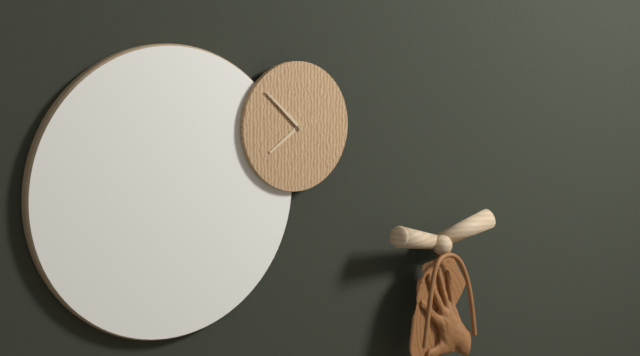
7:52
